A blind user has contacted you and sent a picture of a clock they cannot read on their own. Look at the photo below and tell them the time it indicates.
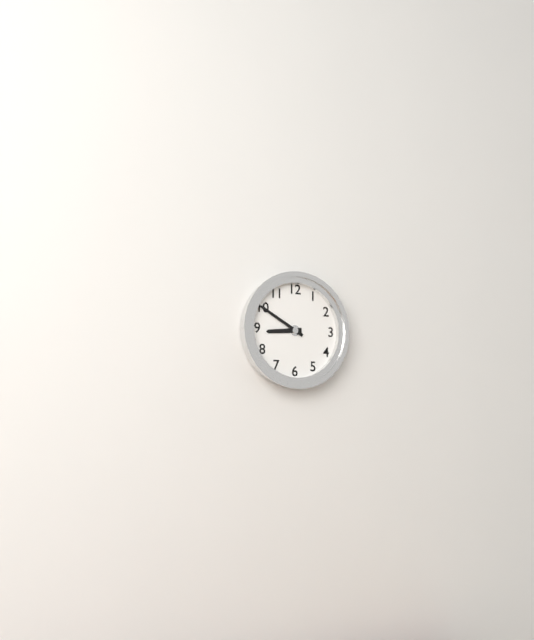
8:50
